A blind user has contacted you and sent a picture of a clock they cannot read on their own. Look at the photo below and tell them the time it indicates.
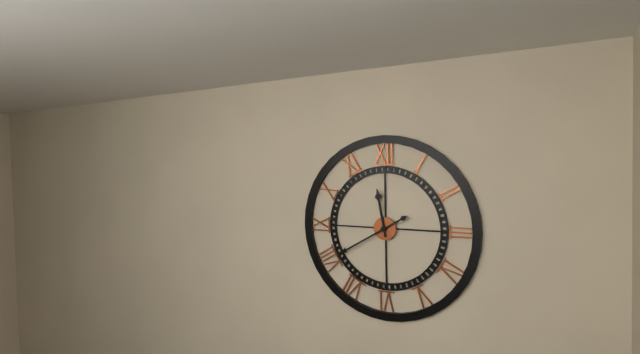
11:40
